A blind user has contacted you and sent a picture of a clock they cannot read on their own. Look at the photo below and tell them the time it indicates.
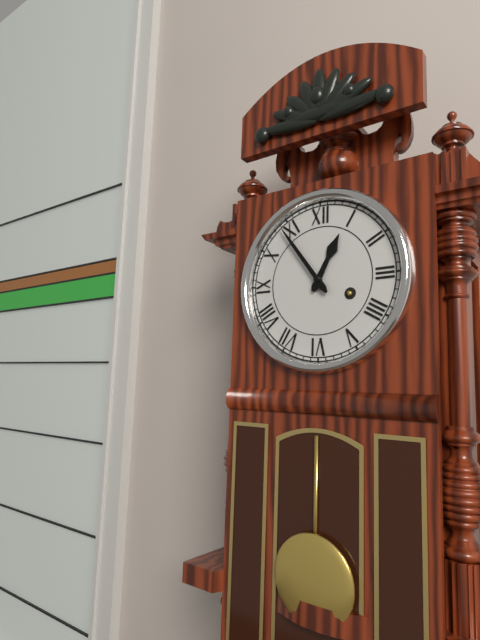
12:54
